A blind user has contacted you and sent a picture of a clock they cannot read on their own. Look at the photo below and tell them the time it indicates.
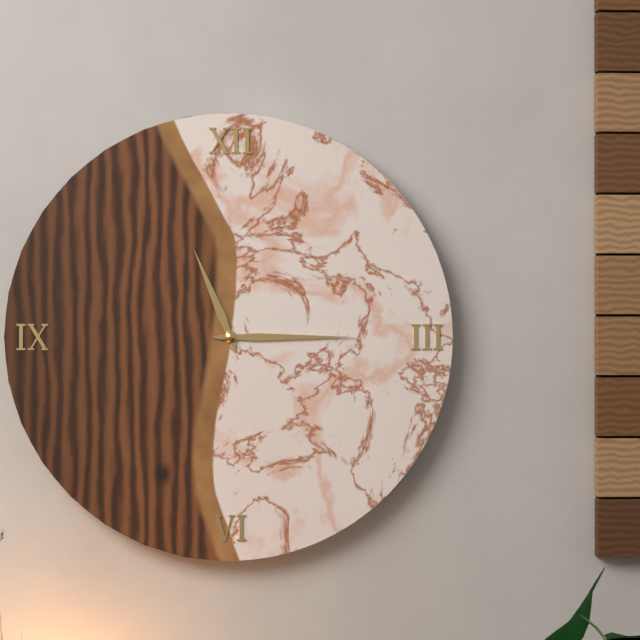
11:15
